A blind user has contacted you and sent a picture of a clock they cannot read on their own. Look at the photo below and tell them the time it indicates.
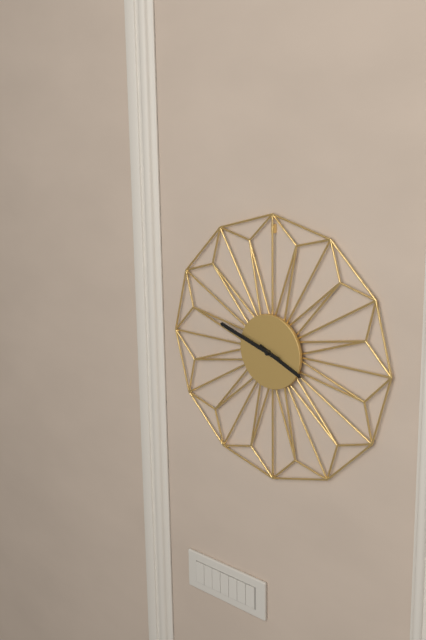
3:48
